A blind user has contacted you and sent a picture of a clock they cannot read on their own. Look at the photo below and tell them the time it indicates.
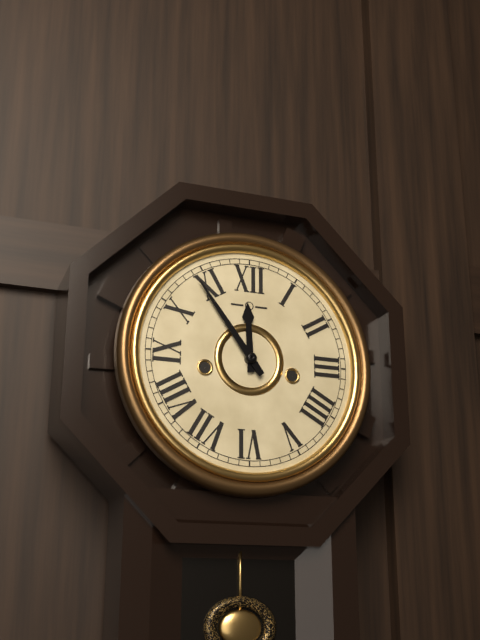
11:54
